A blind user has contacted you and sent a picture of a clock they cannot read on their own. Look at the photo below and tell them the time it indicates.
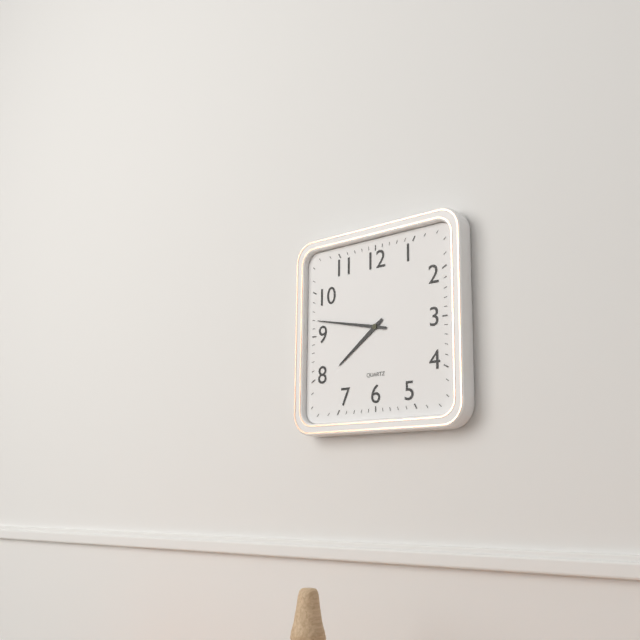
7:47
